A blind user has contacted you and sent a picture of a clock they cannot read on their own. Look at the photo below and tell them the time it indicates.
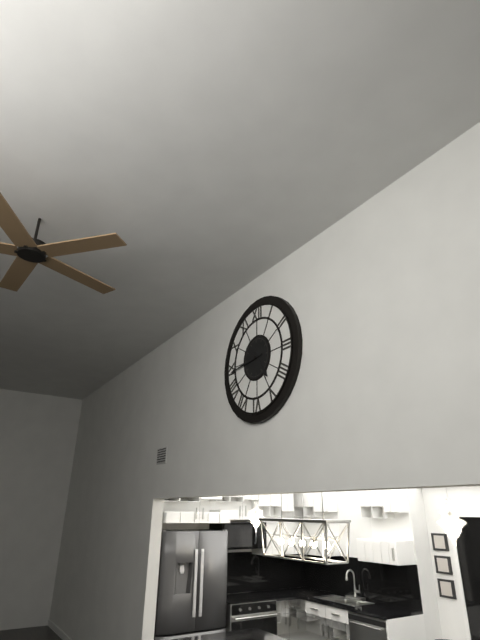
4:44
